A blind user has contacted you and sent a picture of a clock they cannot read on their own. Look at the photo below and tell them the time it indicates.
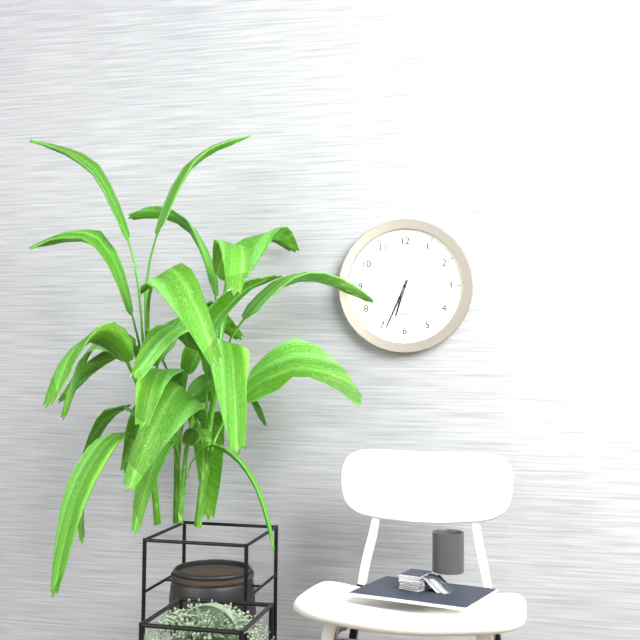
6:34:03
